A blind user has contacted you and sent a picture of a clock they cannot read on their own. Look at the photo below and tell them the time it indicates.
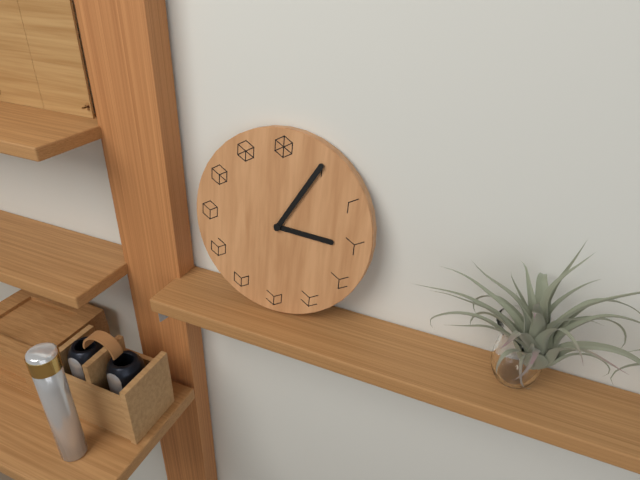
3:05
